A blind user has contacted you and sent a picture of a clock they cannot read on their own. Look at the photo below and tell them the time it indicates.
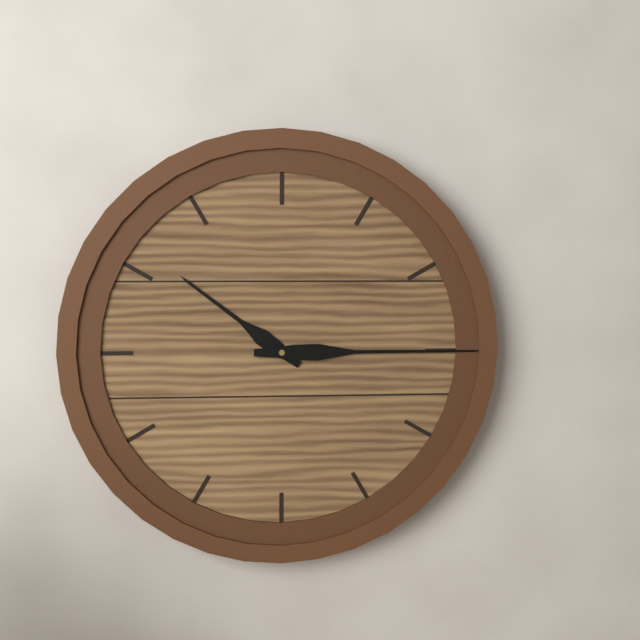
10:15
